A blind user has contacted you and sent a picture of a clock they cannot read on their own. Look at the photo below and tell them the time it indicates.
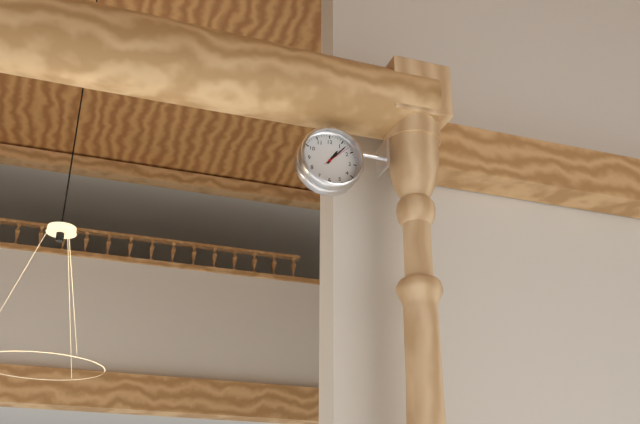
1:07
